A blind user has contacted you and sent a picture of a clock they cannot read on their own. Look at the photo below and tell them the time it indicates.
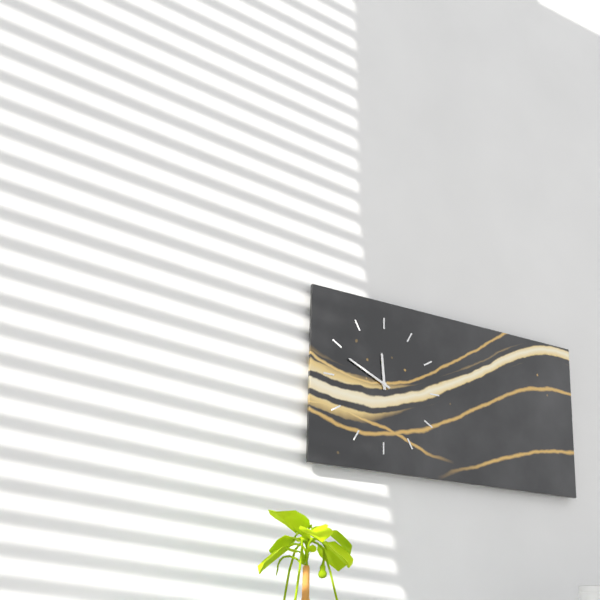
11:49
